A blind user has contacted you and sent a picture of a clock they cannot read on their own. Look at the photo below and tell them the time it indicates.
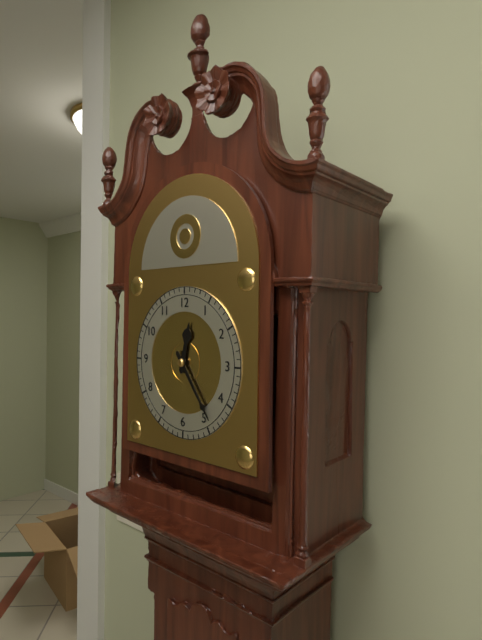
12:24
